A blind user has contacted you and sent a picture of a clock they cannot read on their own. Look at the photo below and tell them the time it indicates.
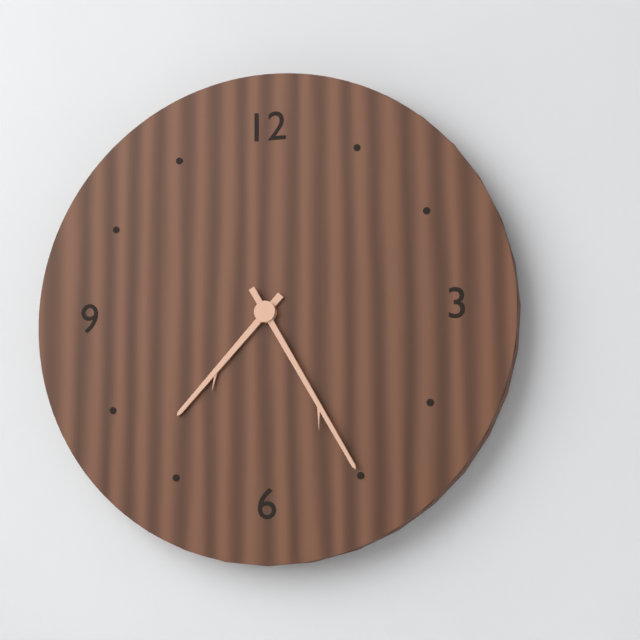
7:25
